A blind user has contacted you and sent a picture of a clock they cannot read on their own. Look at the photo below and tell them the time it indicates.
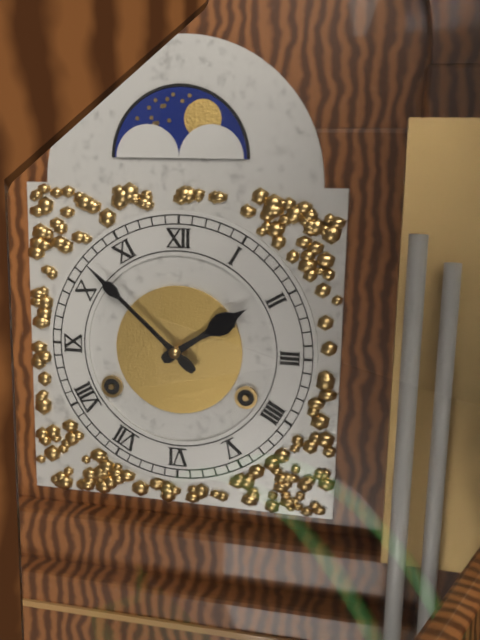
1:52
